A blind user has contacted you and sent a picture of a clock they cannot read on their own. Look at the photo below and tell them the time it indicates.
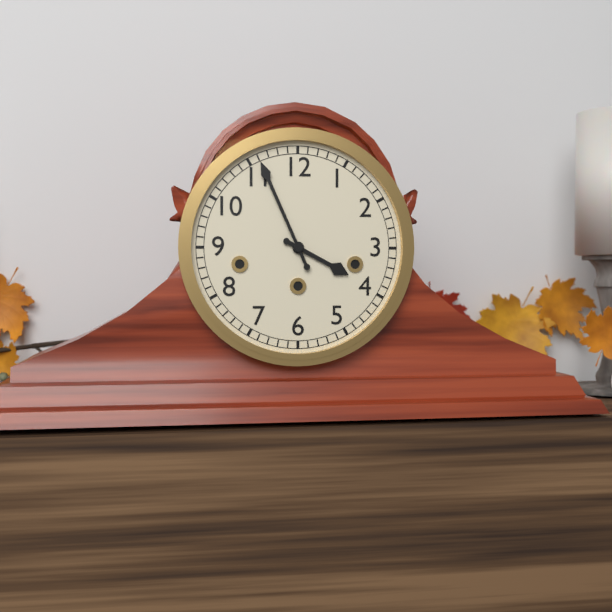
3:56
